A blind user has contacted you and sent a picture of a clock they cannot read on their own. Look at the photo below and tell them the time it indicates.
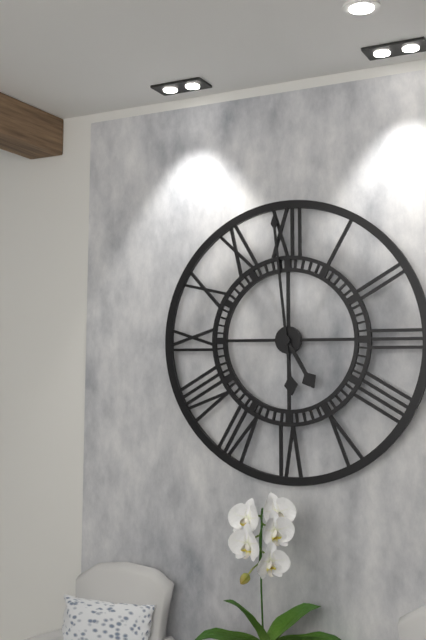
4:59
